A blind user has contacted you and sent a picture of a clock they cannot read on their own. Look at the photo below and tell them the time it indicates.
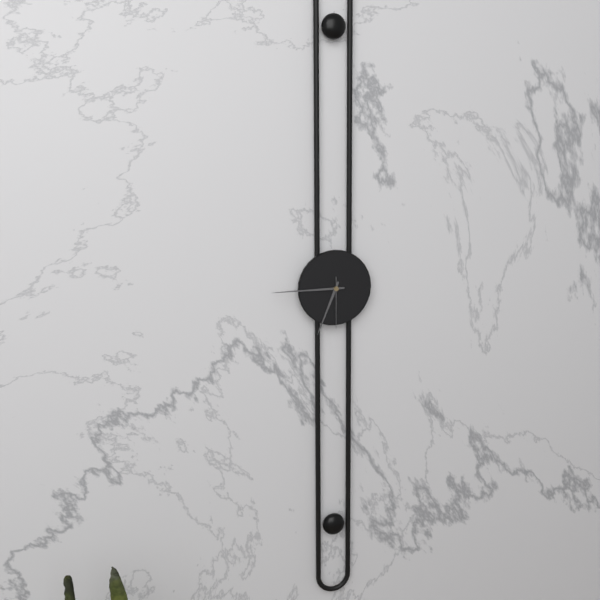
6:45:30
